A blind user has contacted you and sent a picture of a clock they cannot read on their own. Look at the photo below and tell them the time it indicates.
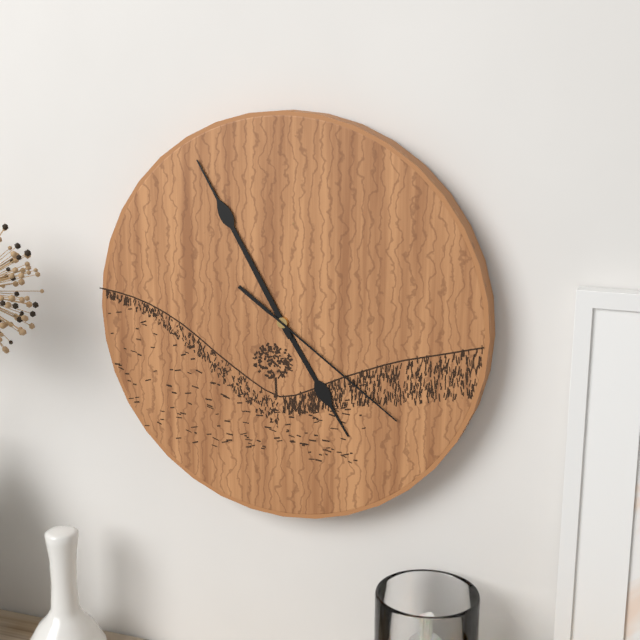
4:55:21
